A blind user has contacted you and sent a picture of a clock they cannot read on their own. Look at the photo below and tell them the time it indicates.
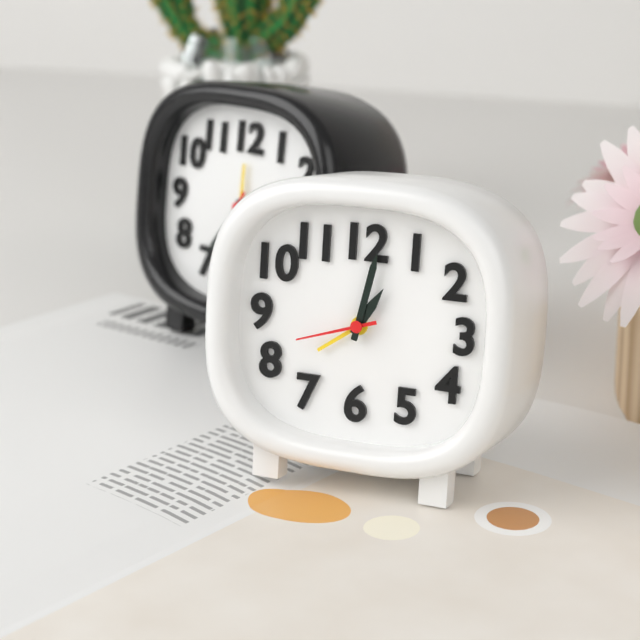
1:02:42
